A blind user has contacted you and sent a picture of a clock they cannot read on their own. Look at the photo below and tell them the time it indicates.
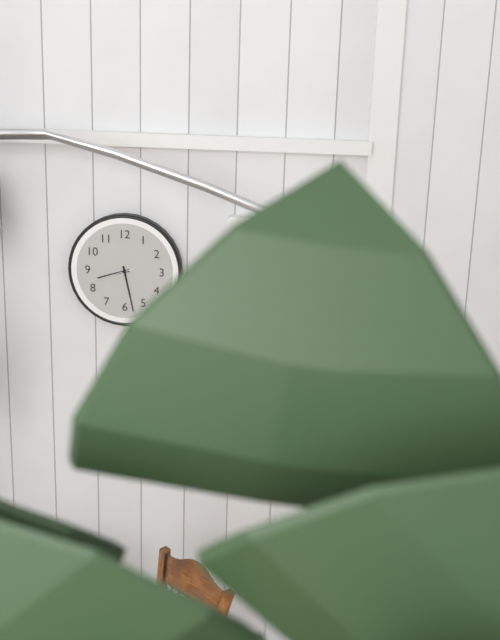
8:28
